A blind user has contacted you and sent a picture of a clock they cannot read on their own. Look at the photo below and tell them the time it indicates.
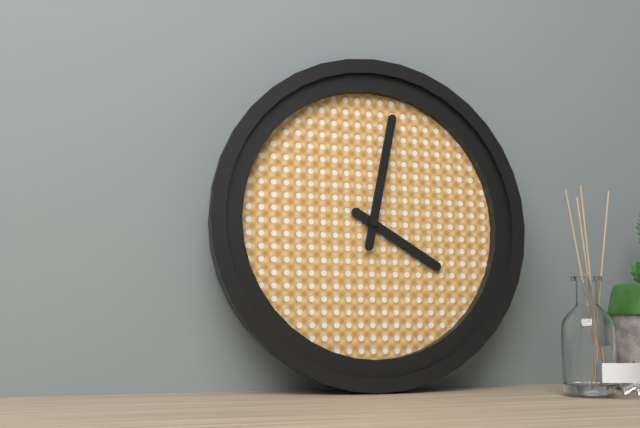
4:02
